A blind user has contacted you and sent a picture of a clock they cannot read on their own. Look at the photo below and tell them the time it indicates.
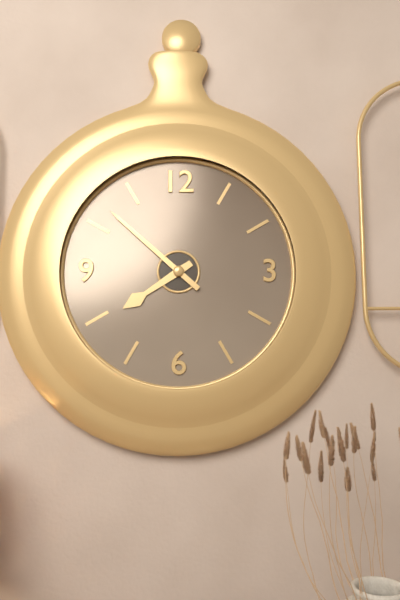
7:52
